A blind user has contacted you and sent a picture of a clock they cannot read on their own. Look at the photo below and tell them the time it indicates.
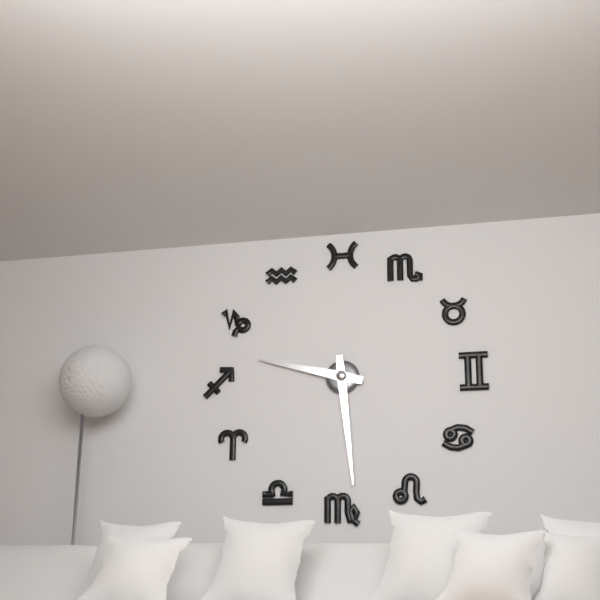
9:29
